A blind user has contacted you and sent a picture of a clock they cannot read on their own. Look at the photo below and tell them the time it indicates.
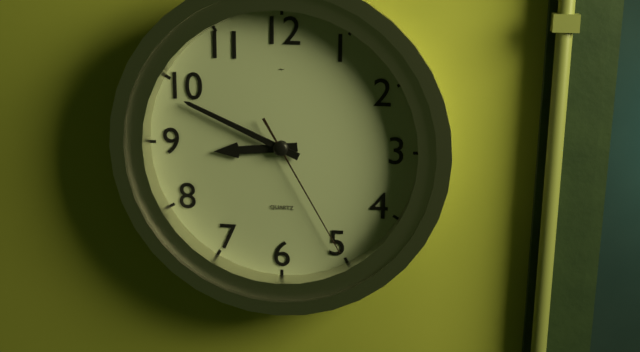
8:49:25
